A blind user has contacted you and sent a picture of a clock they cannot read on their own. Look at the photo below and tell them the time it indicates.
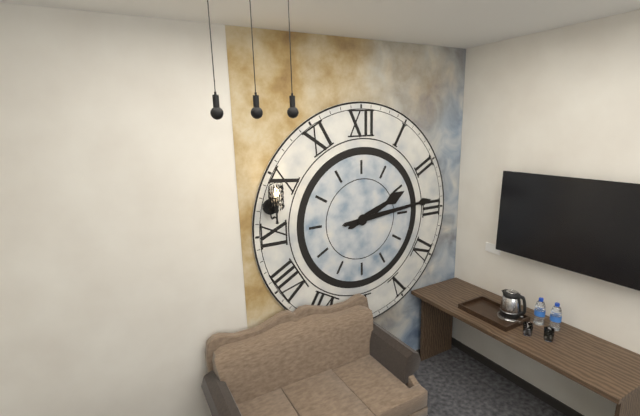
2:14
